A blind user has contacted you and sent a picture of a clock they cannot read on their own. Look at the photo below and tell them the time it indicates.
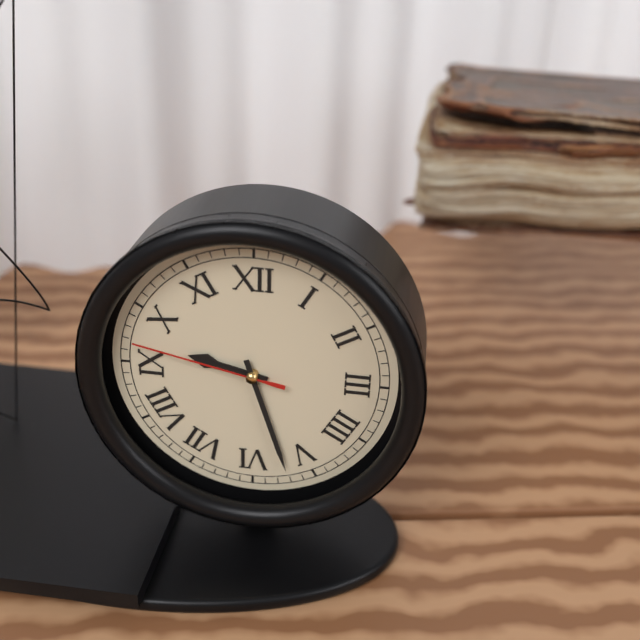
9:27:47
